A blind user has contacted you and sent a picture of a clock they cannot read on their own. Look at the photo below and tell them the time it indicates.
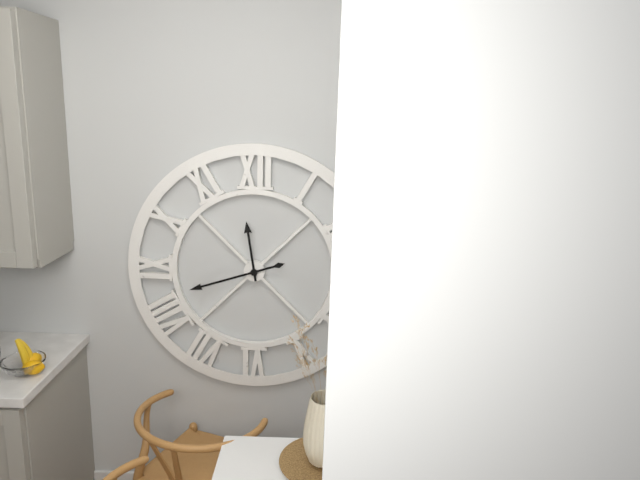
11:42
